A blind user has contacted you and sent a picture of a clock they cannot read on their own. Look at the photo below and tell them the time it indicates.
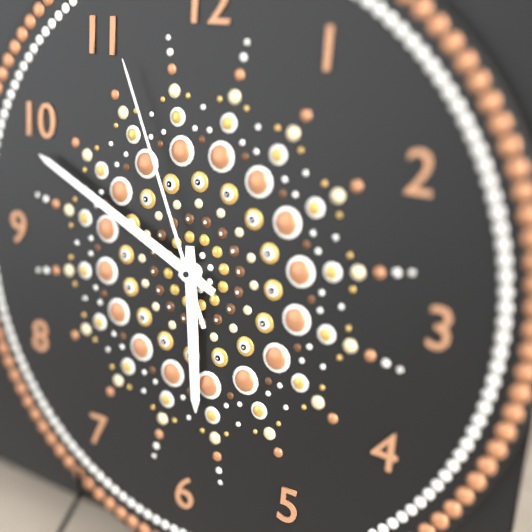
5:49:56
